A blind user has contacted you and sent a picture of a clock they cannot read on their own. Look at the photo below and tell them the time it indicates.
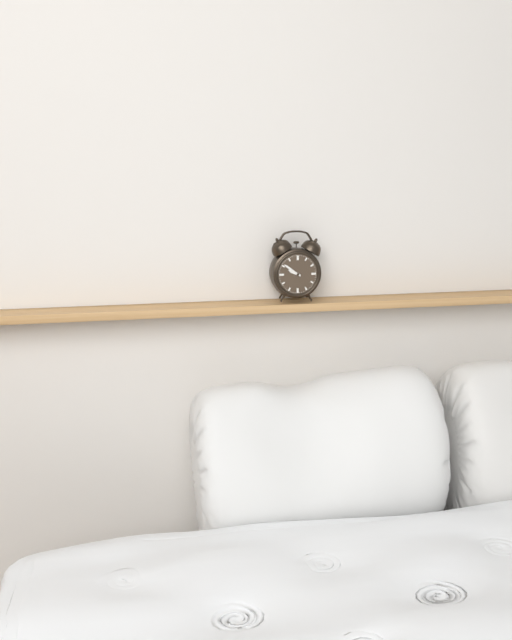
9:51
